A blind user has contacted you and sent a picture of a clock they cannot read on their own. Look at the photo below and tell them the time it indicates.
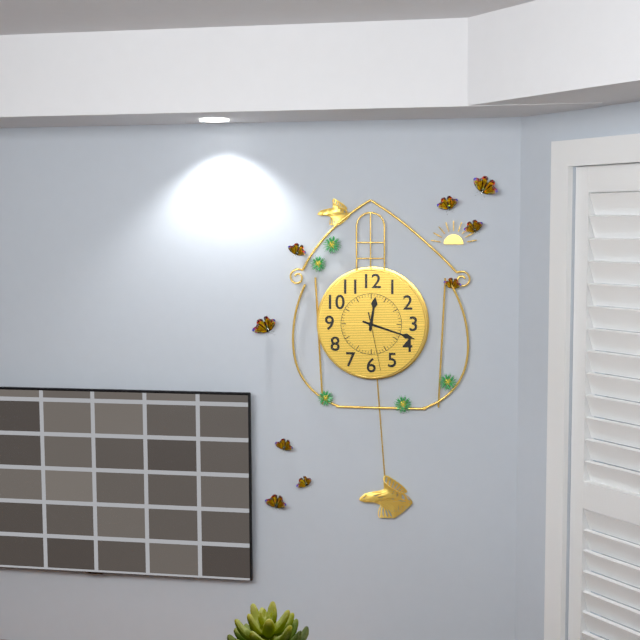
12:18:28
